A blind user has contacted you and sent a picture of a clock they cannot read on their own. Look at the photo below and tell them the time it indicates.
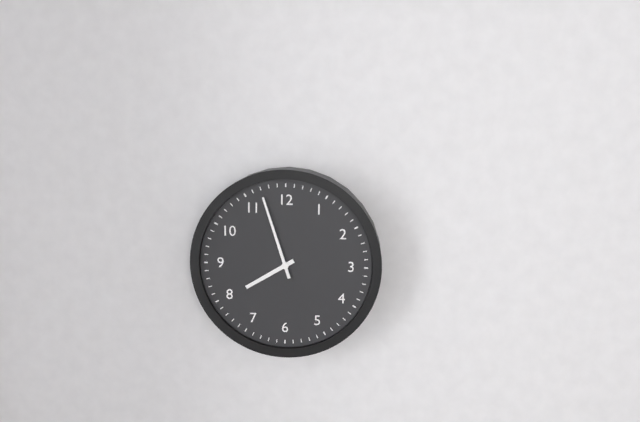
7:57
